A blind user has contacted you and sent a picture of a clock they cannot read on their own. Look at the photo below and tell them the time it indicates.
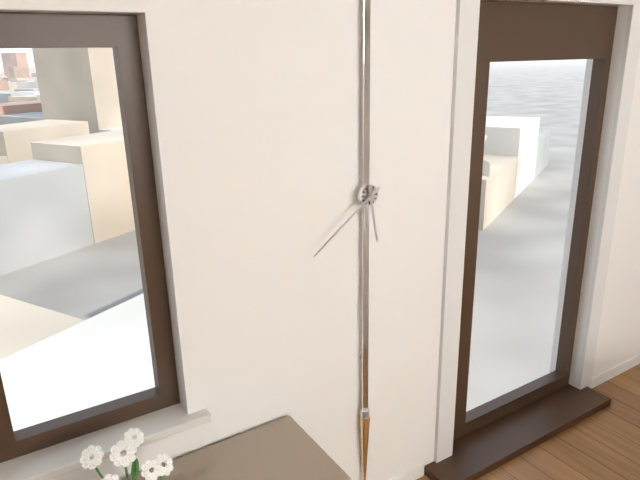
5:39
